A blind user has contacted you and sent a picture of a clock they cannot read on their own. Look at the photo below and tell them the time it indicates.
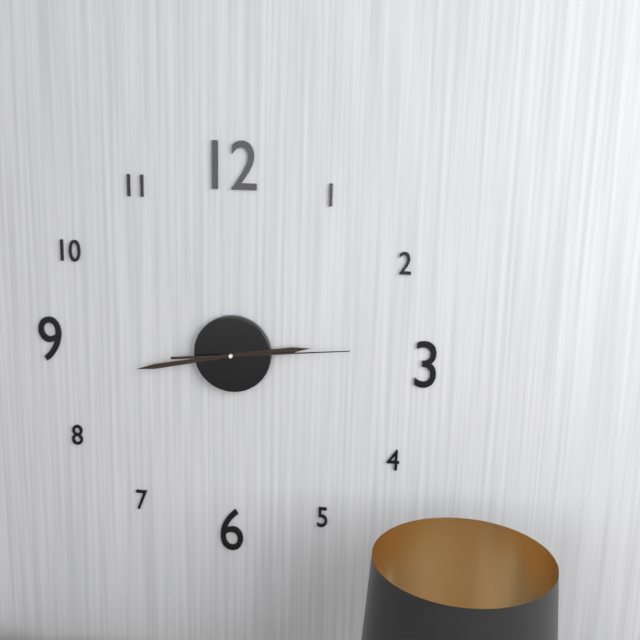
2:43:14
